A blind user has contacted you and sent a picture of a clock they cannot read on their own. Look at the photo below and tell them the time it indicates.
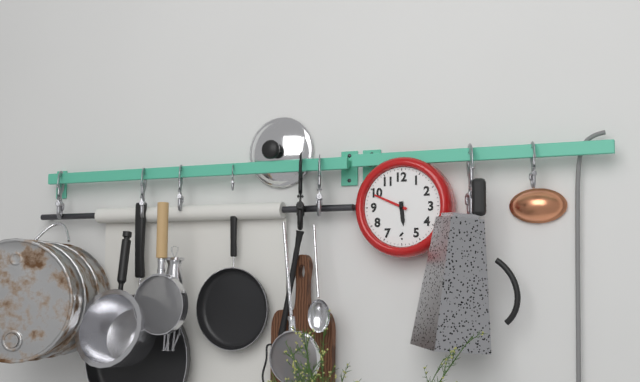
5:49
